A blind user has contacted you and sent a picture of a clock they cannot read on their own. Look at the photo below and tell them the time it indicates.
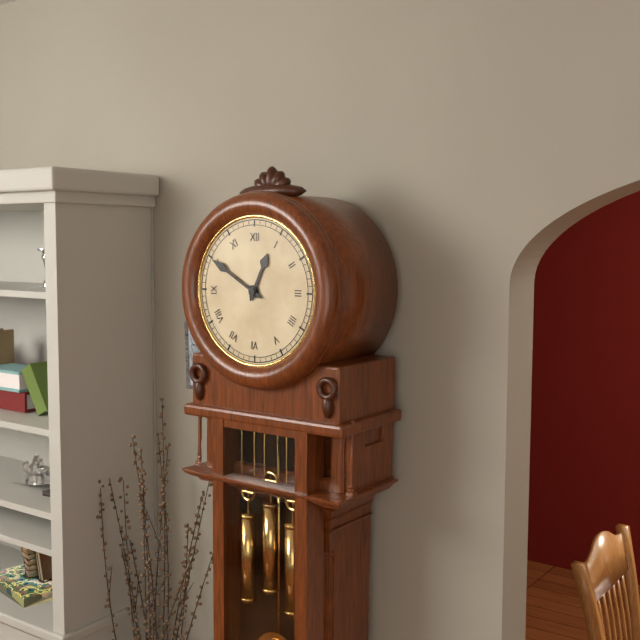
12:50
